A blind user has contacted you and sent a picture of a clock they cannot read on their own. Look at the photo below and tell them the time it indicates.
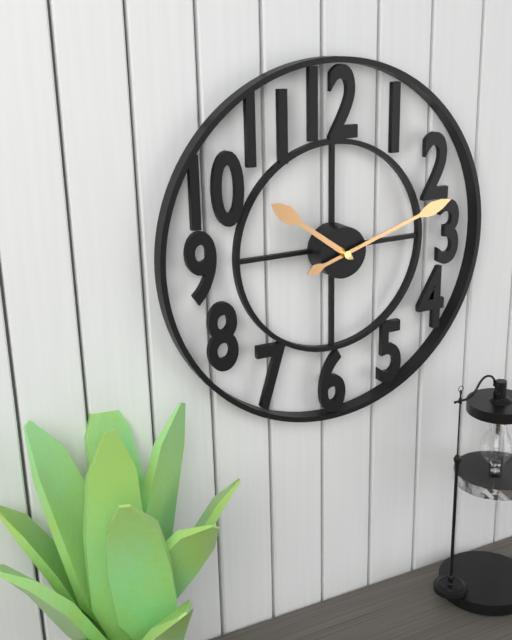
10:12
